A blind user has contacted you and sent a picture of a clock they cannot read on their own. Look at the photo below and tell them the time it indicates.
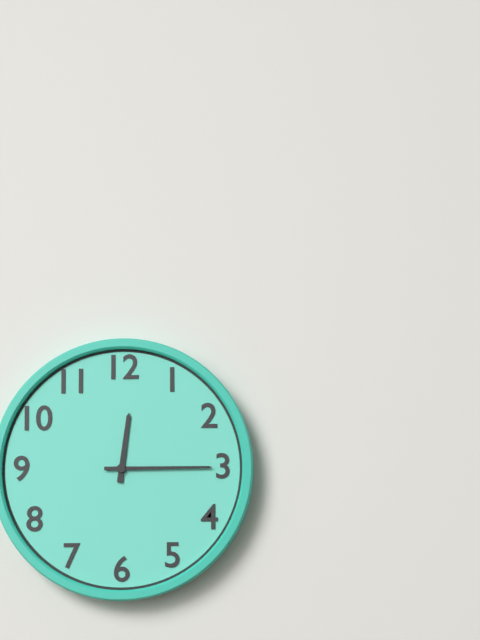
12:15
